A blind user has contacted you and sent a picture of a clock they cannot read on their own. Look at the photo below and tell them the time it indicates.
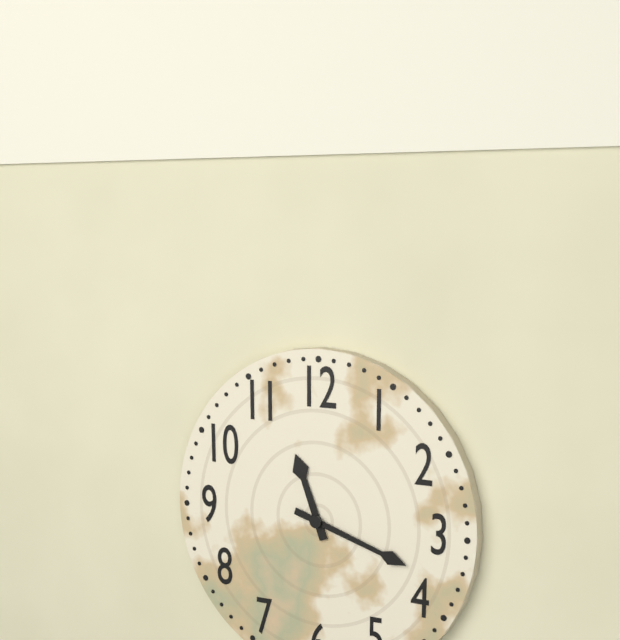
11:18
